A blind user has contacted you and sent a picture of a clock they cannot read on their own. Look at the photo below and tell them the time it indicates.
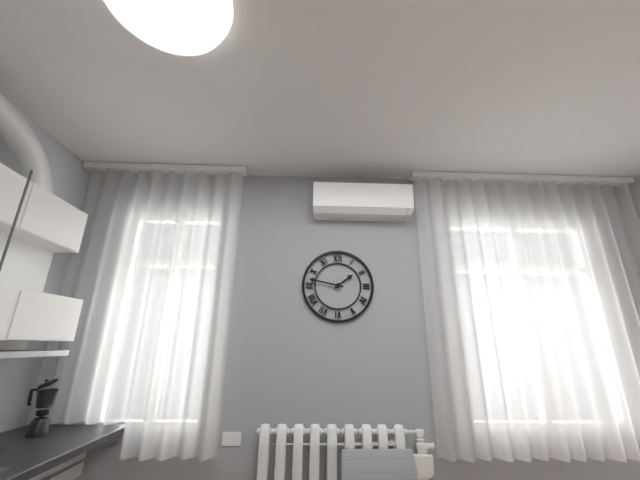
1:47
